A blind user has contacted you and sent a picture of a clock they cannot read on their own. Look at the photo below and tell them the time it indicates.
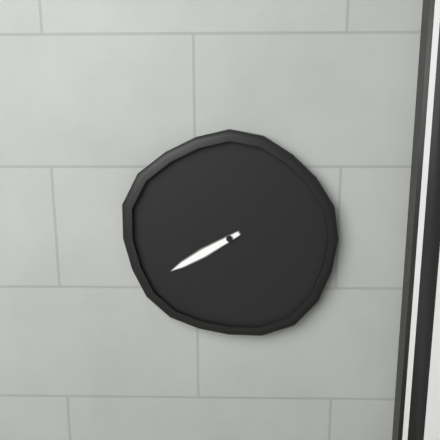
8:40
